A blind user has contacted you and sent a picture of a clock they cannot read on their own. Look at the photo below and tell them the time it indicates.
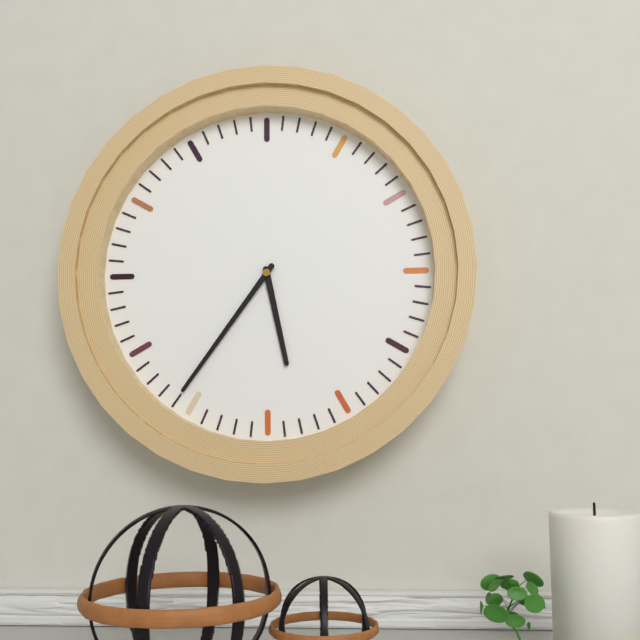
5:36
